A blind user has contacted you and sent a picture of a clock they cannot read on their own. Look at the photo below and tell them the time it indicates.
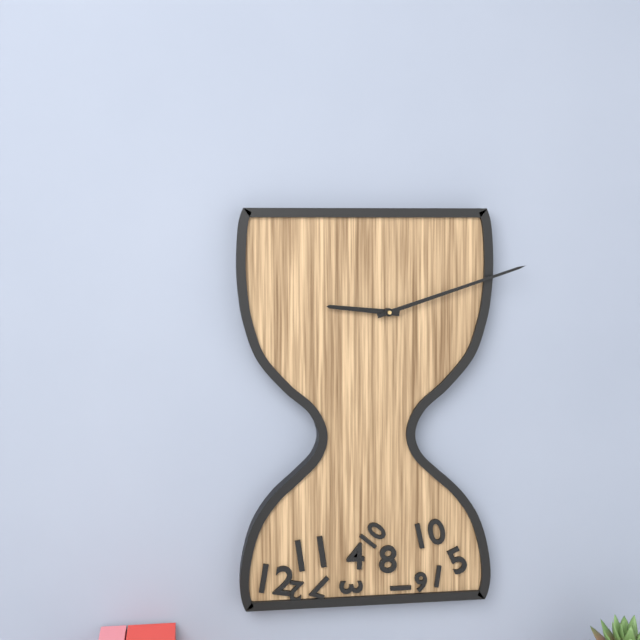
9:12
